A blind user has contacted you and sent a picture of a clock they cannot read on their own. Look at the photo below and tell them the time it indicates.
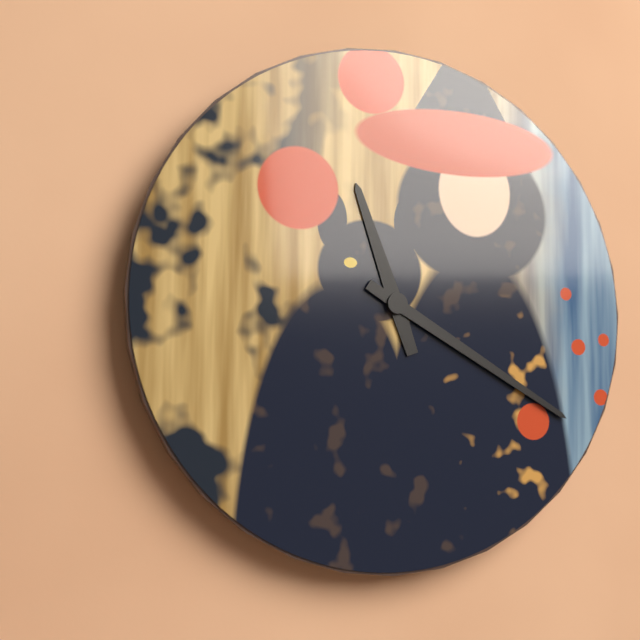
11:20
